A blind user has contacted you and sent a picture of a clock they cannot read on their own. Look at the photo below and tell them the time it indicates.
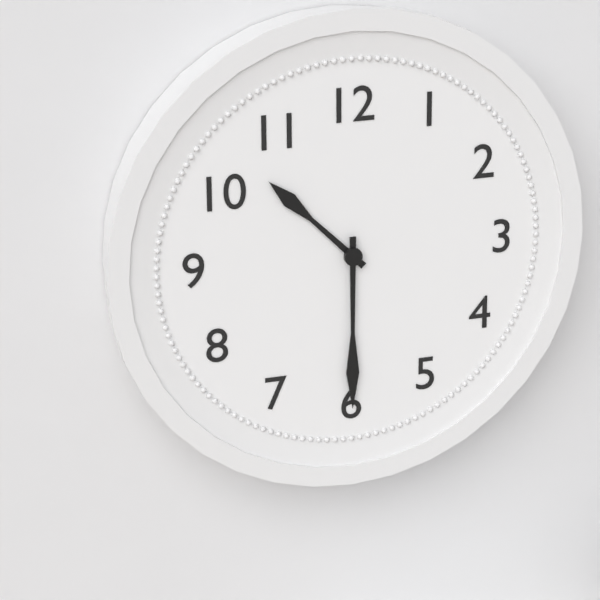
10:30
